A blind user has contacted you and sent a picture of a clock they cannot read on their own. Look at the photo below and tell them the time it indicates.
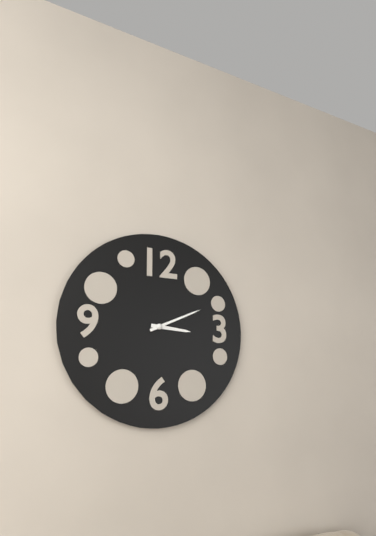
3:11
